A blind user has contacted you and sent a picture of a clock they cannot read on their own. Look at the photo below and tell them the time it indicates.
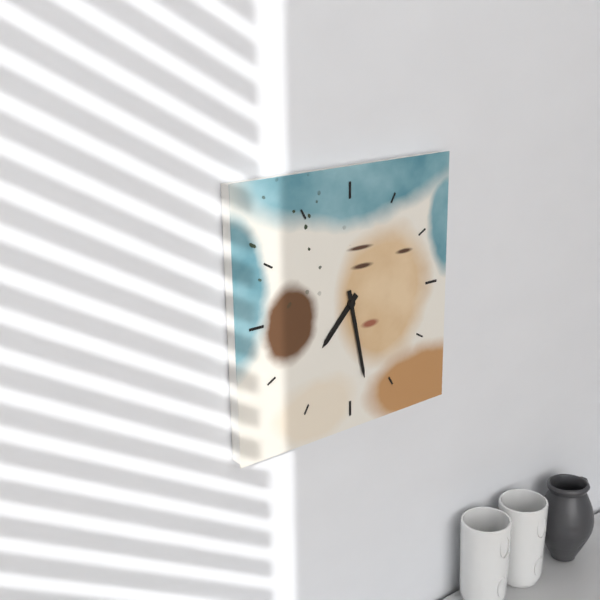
7:28
